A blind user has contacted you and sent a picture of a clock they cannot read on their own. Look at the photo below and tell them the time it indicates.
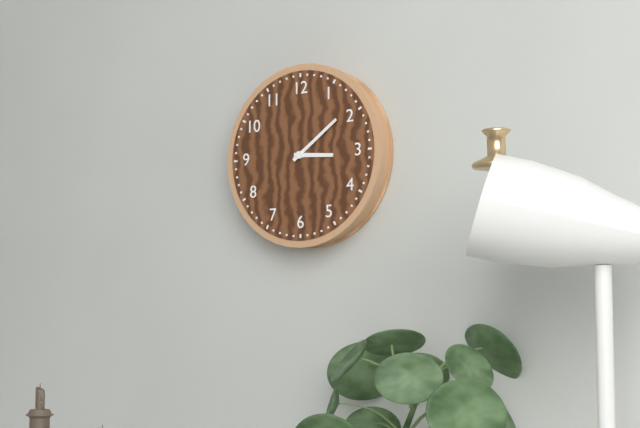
3:09
